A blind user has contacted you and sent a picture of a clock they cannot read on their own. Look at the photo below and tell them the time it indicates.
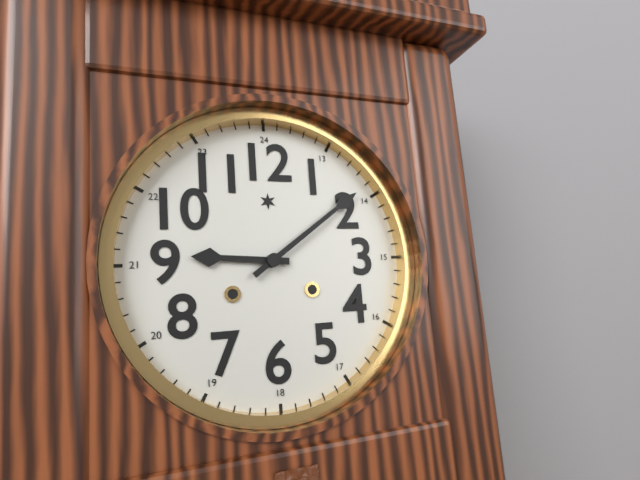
9:09
